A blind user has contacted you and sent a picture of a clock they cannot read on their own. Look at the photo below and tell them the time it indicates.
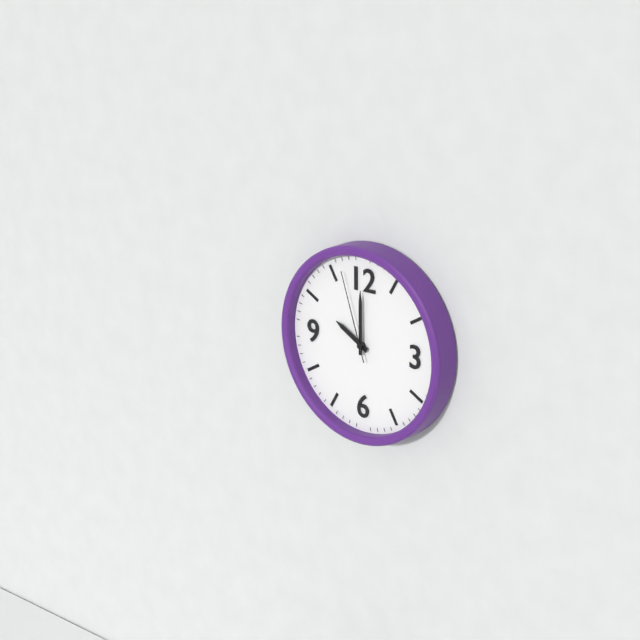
10:00:57
